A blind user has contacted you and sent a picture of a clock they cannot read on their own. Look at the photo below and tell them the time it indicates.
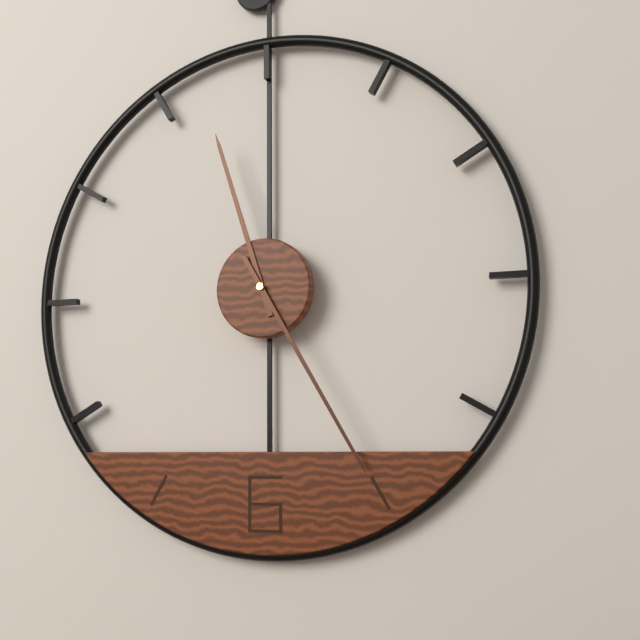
11:25
